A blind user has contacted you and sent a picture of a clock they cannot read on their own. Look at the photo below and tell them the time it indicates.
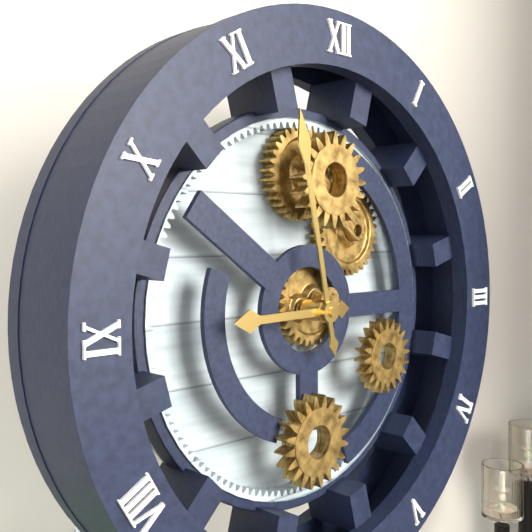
8:58
